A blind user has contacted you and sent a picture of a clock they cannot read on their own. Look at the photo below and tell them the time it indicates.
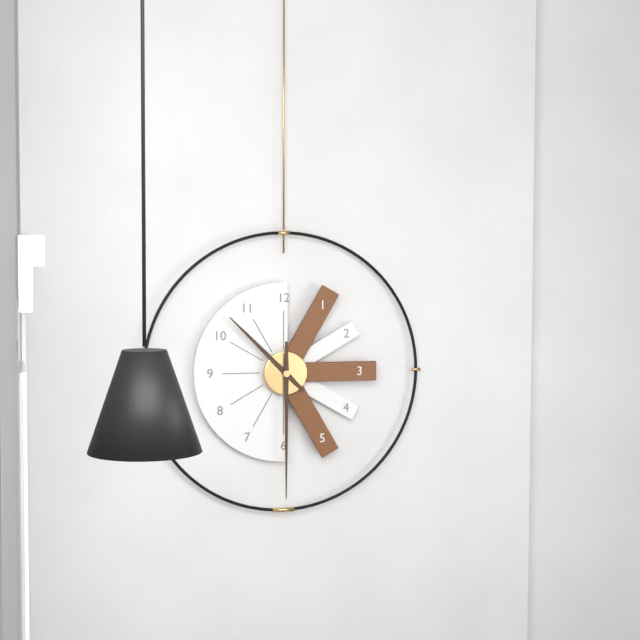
10:30
